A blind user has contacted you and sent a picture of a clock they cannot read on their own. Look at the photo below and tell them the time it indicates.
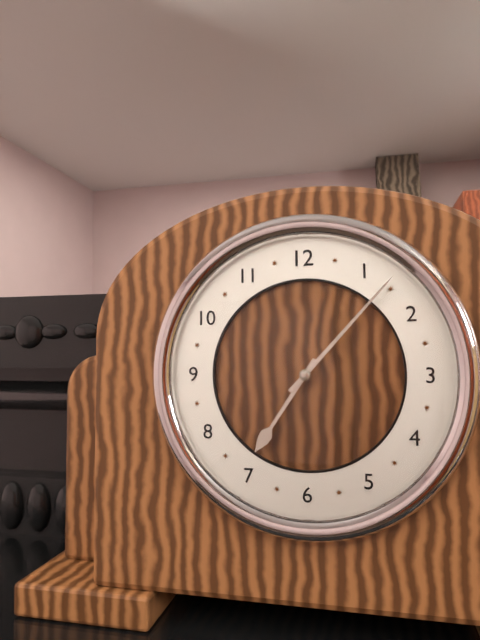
7:07
